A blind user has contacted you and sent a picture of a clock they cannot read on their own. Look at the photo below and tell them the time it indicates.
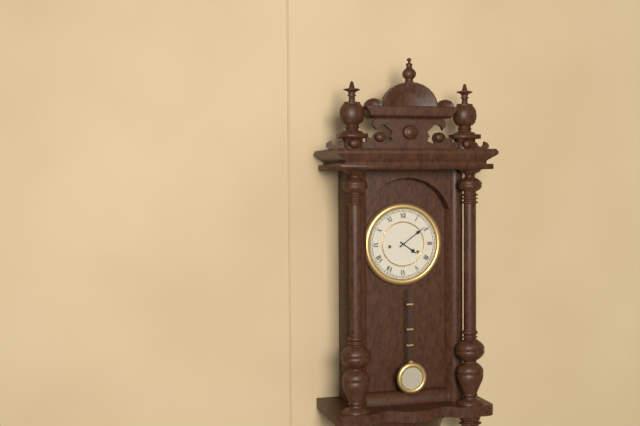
4:09
